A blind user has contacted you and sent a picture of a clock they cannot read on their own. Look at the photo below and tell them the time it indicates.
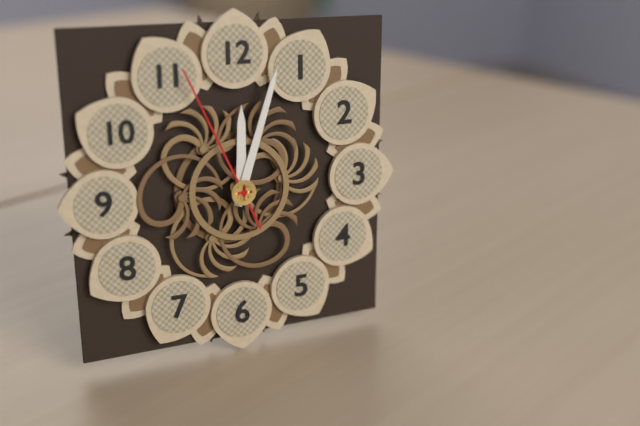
12:03:56
